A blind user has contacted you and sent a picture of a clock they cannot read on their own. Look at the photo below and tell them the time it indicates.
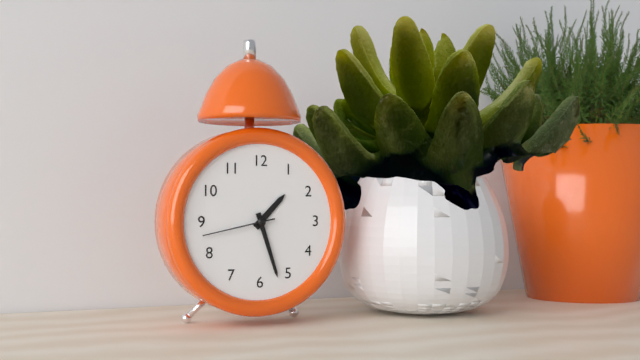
1:27:43
